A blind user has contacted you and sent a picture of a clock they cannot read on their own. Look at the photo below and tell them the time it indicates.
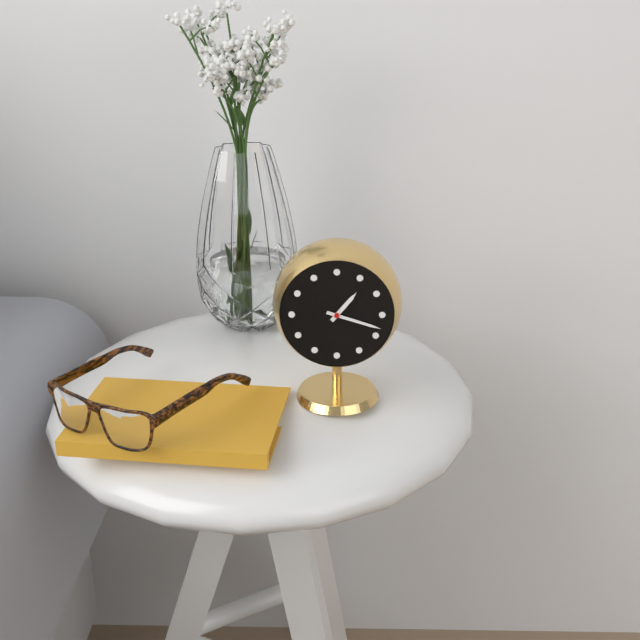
1:18
